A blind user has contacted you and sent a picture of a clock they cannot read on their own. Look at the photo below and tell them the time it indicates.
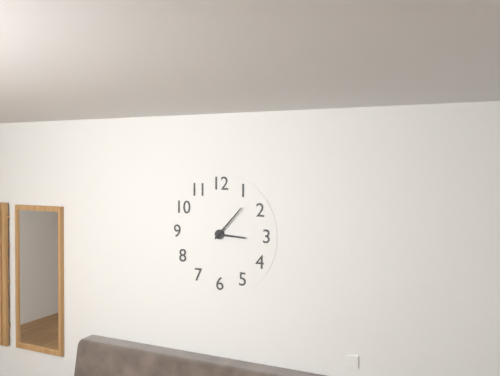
3:07
